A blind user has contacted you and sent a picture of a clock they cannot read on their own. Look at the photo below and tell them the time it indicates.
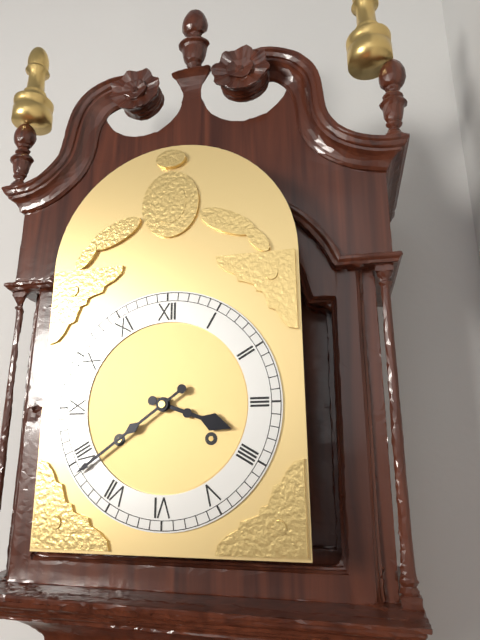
3:39
